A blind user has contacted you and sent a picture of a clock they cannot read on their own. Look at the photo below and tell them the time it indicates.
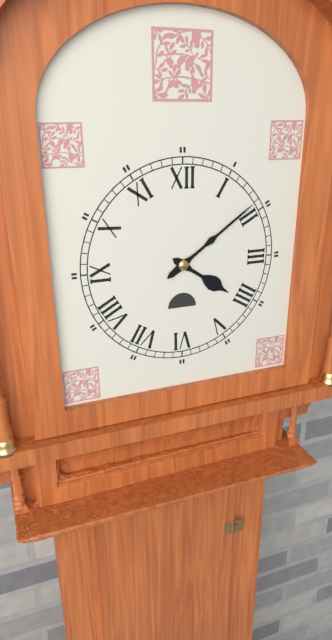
4:09
